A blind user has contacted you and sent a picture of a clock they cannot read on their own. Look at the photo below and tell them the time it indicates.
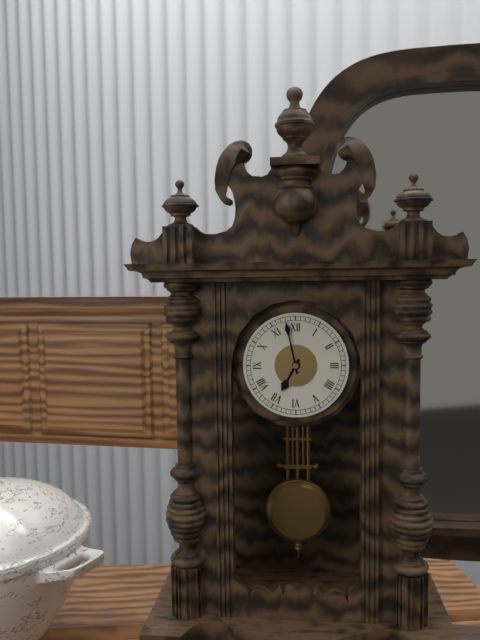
6:58
